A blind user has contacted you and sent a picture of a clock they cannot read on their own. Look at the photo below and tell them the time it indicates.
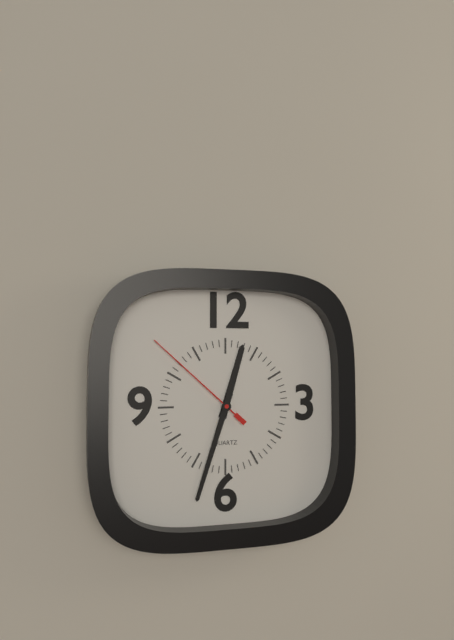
12:33:52
